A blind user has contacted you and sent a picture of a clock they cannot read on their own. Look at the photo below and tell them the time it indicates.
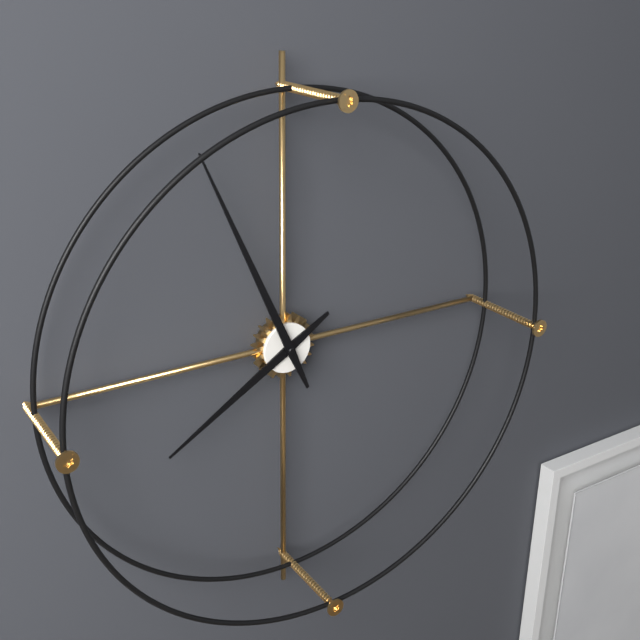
7:56
